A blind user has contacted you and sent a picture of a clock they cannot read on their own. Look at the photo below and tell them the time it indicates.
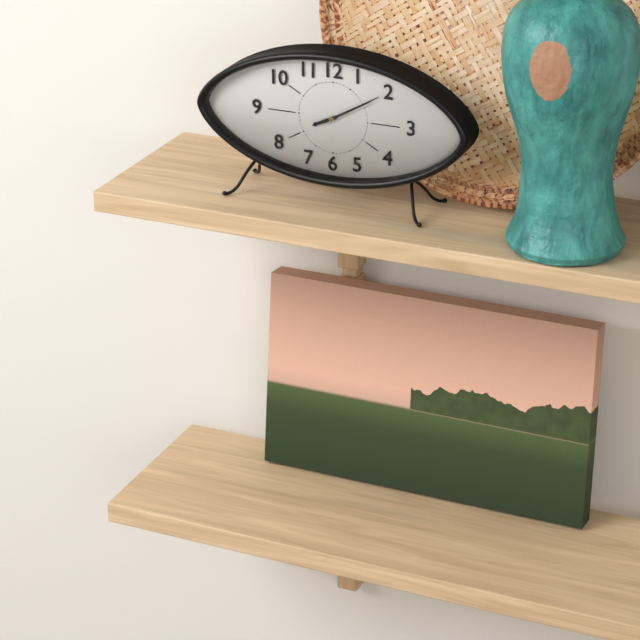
8:10
